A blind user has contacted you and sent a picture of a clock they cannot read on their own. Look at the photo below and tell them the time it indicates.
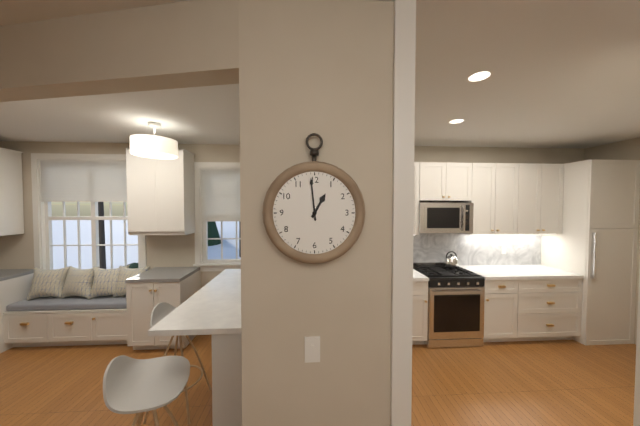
12:59
